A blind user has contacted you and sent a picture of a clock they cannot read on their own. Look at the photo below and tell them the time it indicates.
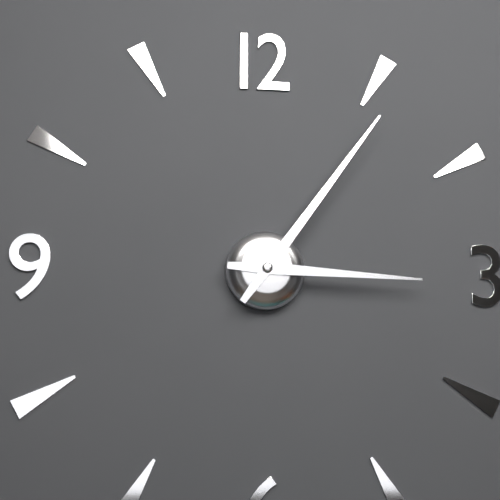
3:06
